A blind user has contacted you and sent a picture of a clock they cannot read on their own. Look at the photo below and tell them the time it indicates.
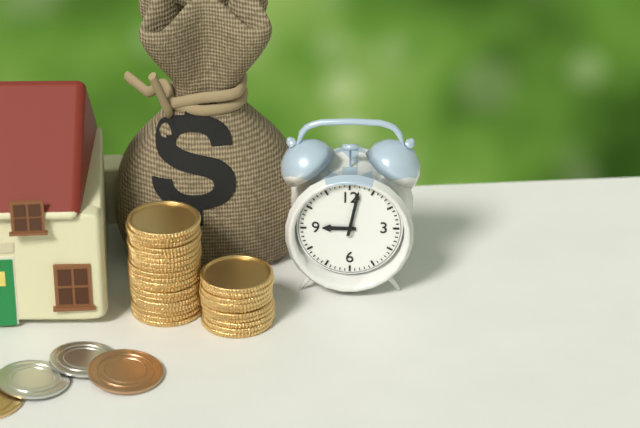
9:02
